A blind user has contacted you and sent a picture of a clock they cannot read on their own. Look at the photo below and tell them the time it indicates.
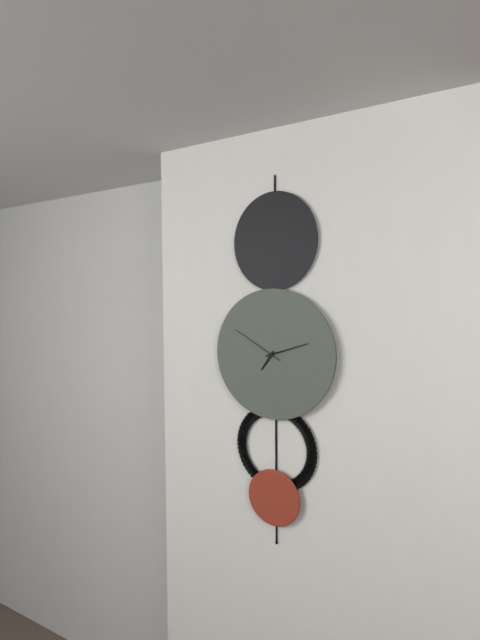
7:12:50
